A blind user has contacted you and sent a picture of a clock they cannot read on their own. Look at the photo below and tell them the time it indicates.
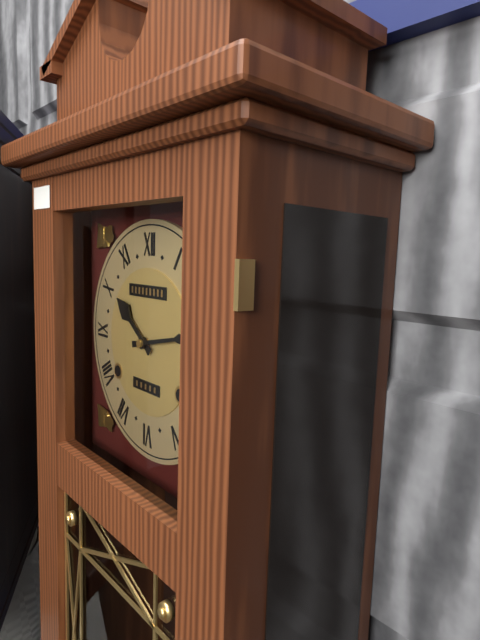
10:13
